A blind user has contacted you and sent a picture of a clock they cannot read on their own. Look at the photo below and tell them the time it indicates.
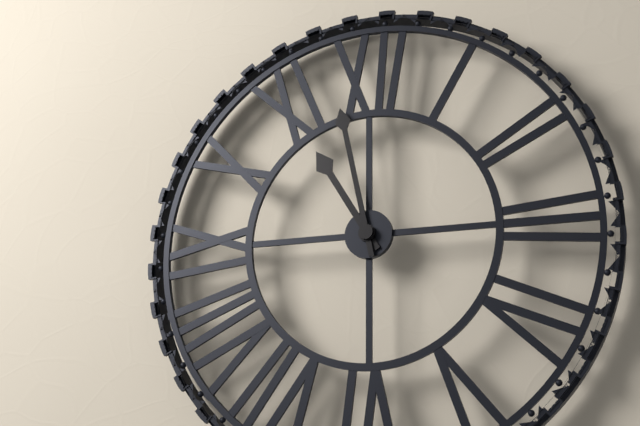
10:58
